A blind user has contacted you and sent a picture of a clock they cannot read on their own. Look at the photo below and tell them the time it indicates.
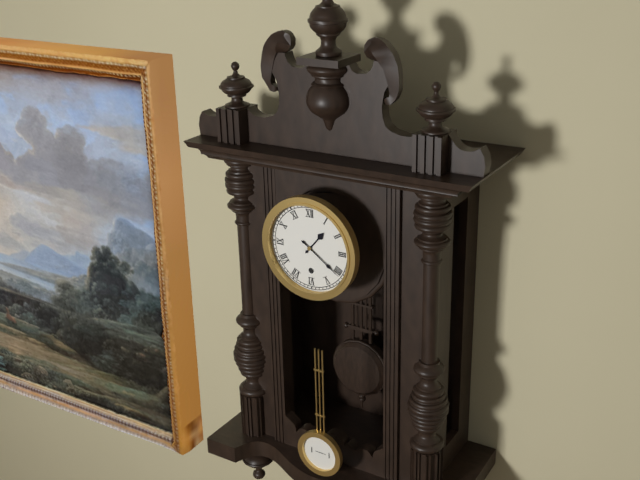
1:21
